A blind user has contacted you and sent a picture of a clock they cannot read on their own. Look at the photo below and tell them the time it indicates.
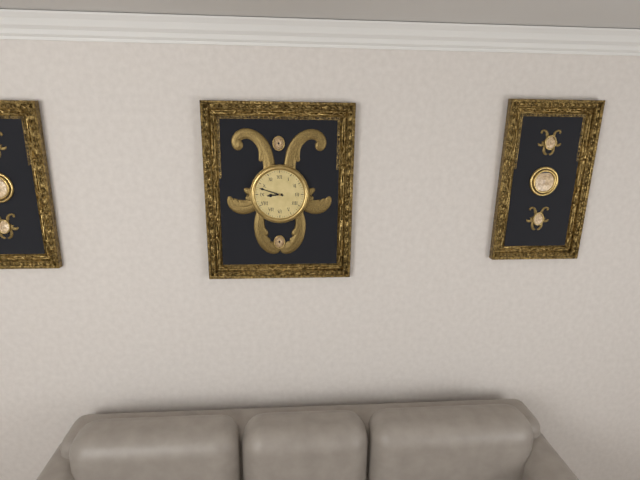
8:48
